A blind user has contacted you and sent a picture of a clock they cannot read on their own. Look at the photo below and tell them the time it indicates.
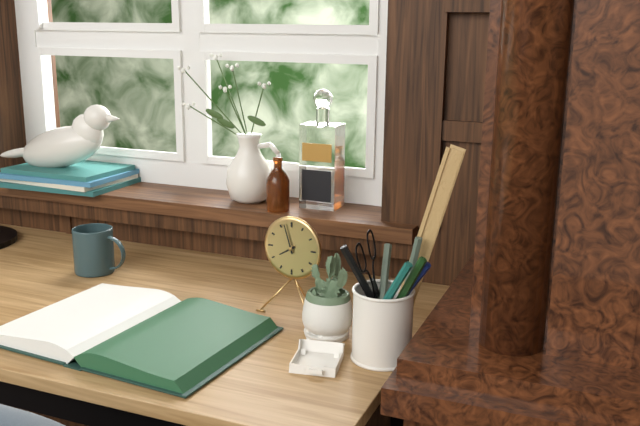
7:57
